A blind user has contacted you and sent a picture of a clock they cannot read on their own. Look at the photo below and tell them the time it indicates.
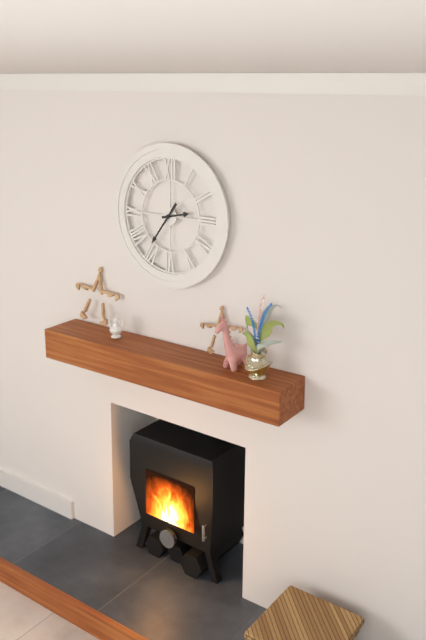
2:36
